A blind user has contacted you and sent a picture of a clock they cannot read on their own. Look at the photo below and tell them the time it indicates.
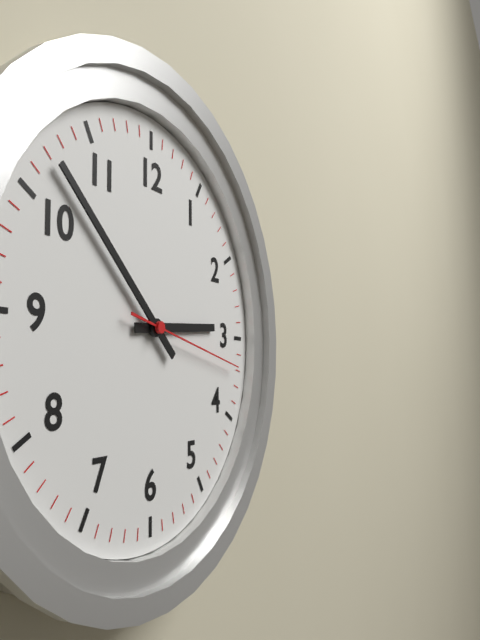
2:52:17
